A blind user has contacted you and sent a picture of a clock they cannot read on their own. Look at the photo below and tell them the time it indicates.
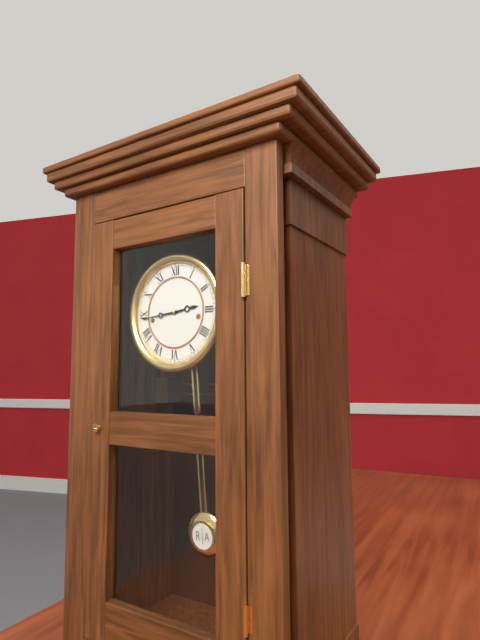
2:44
